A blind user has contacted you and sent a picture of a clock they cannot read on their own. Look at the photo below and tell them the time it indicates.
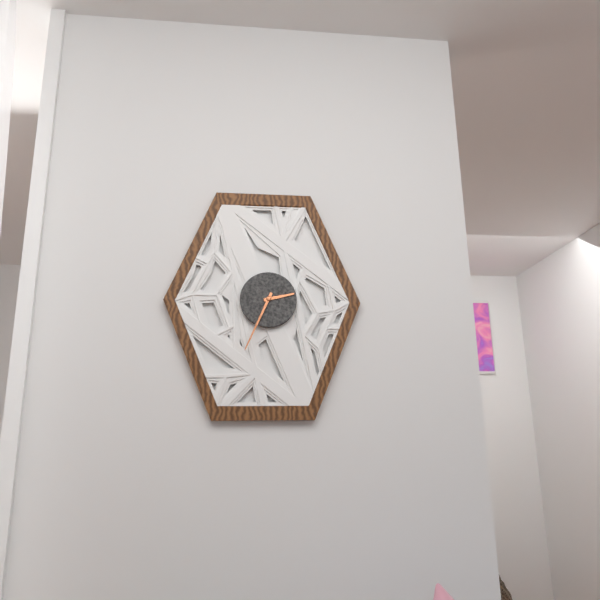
2:34
